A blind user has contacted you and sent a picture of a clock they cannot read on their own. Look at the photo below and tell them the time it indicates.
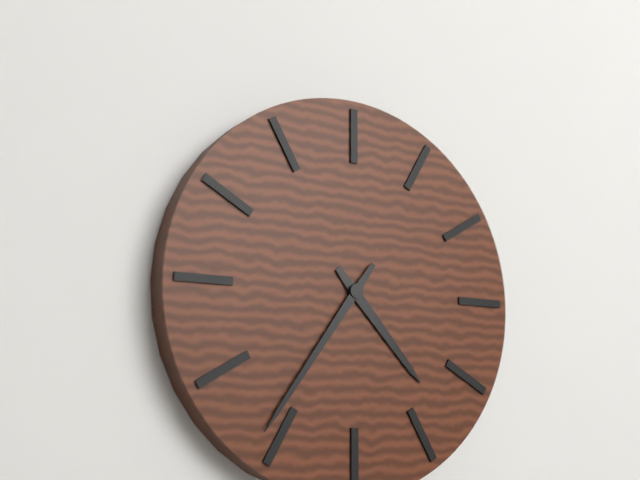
4:36
